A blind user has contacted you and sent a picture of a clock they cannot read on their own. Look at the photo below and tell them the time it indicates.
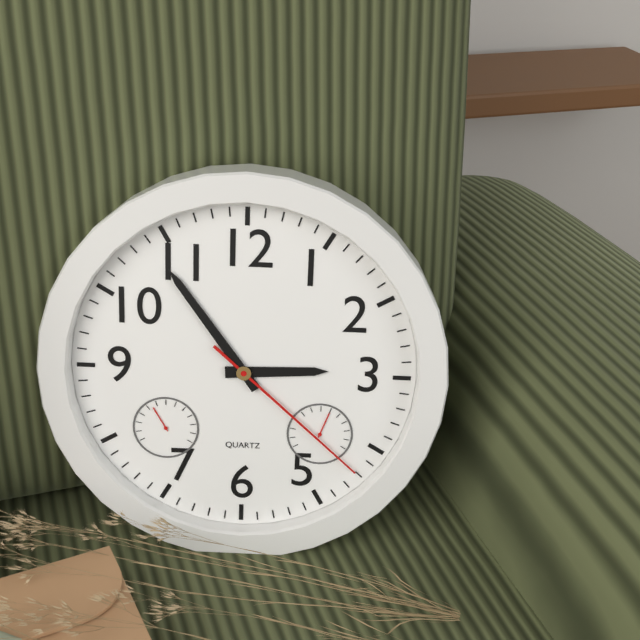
2:54:22
